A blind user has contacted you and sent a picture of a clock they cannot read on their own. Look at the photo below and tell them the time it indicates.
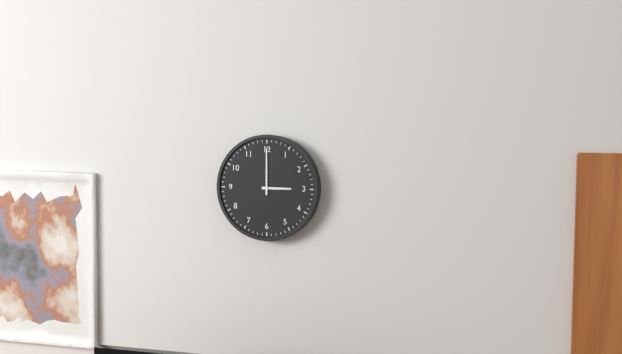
3:00
